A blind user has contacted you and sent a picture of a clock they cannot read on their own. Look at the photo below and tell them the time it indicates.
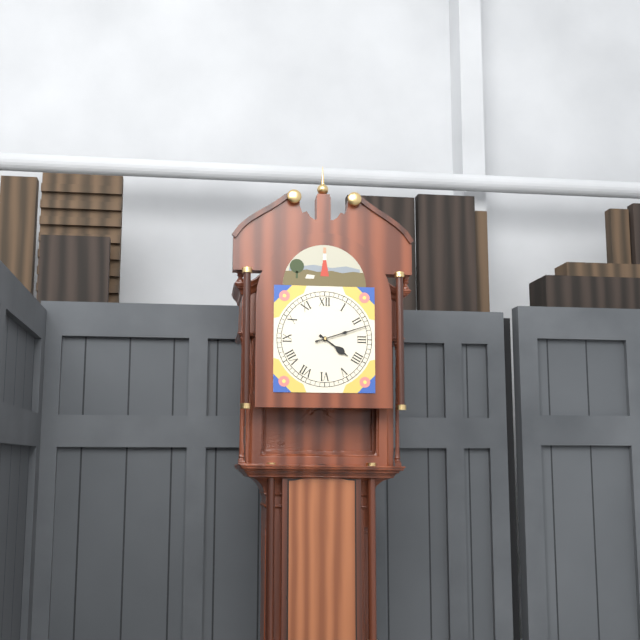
4:12
